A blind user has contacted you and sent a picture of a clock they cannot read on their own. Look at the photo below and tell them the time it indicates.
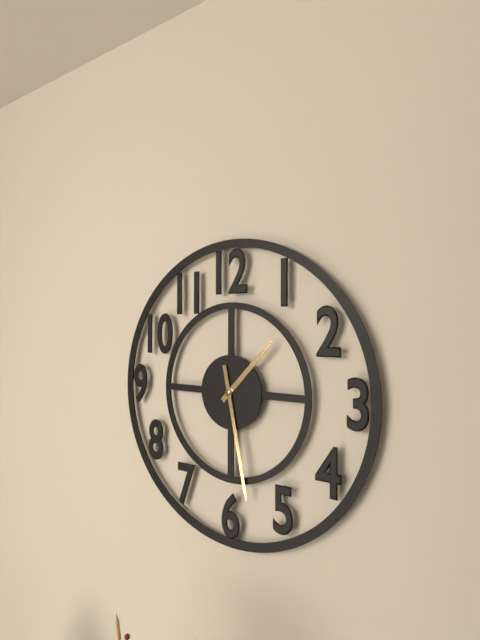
1:28
